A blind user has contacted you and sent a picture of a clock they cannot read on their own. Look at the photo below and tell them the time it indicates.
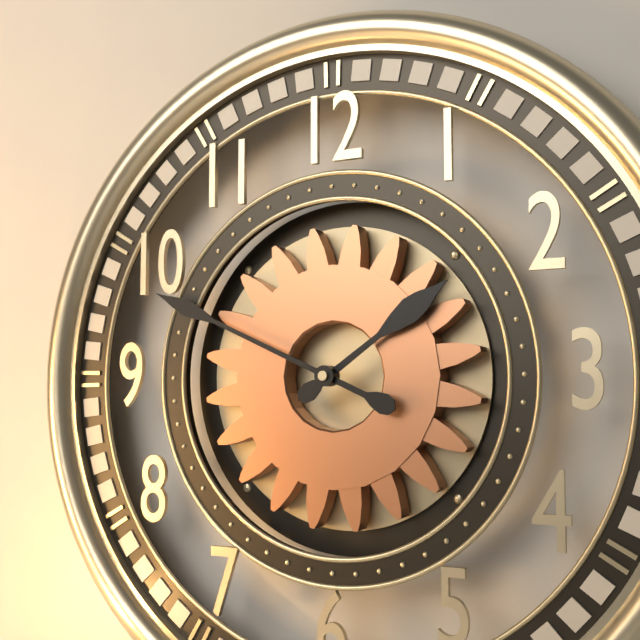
1:49
